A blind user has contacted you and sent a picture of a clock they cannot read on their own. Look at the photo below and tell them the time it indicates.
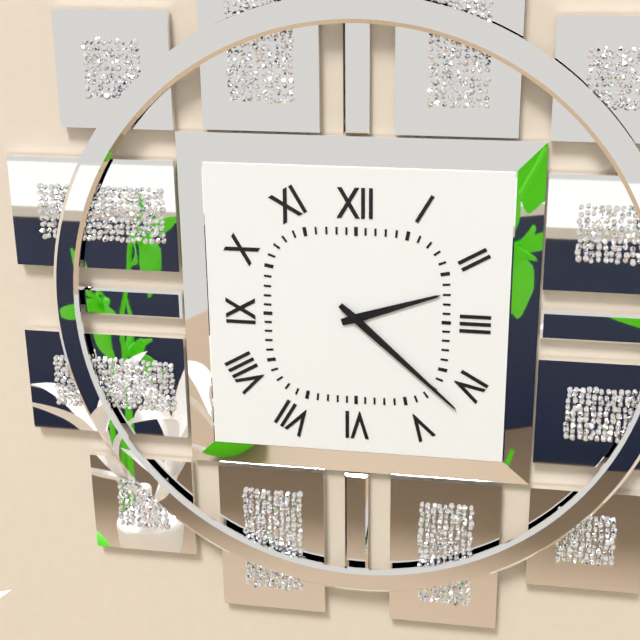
2:22
